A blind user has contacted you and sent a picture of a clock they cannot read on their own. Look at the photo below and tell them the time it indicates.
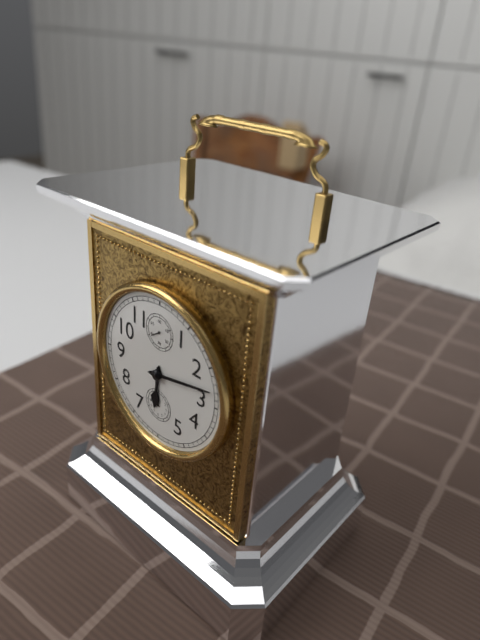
6:13
